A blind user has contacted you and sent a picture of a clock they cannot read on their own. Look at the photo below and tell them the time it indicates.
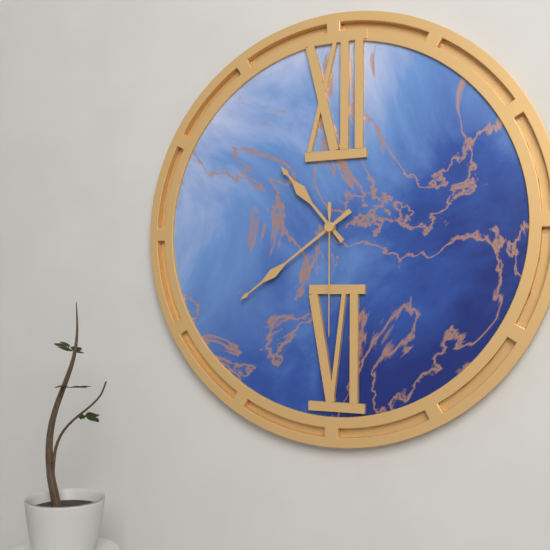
10:39:30
